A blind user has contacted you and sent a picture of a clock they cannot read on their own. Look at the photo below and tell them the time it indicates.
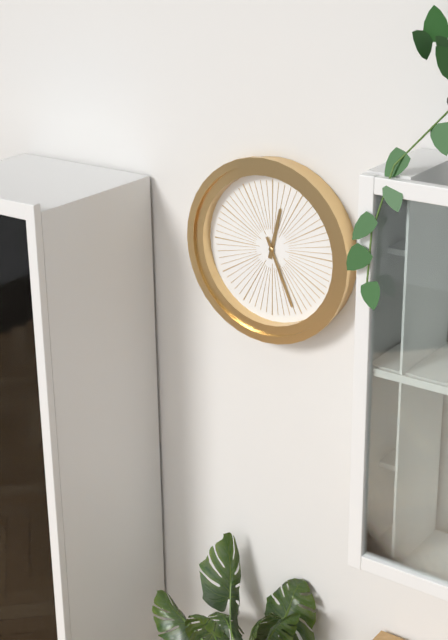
12:26
